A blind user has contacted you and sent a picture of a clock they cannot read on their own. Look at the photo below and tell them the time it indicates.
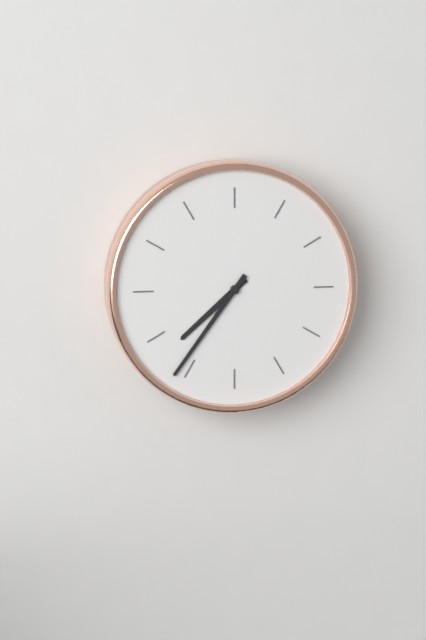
7:36
